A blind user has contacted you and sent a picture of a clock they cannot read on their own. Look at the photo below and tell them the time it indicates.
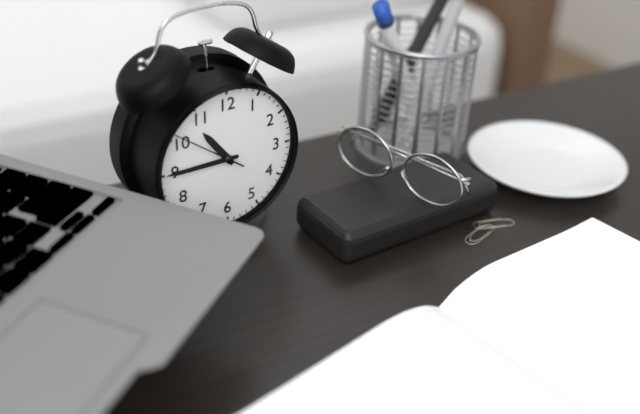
10:45:51
